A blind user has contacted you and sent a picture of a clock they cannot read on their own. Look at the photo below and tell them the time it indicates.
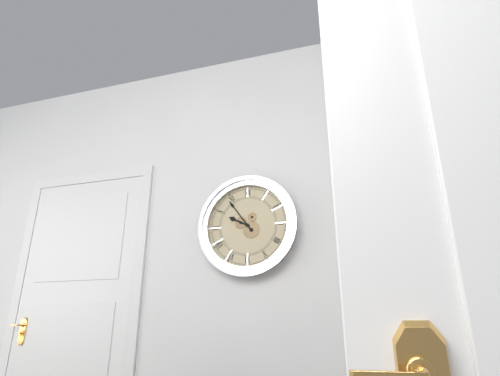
9:54
